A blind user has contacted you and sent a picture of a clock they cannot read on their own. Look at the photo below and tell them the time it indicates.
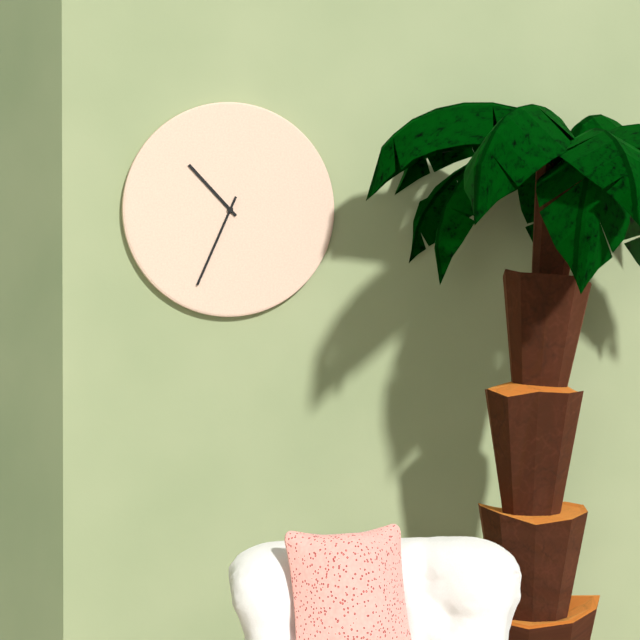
10:34
